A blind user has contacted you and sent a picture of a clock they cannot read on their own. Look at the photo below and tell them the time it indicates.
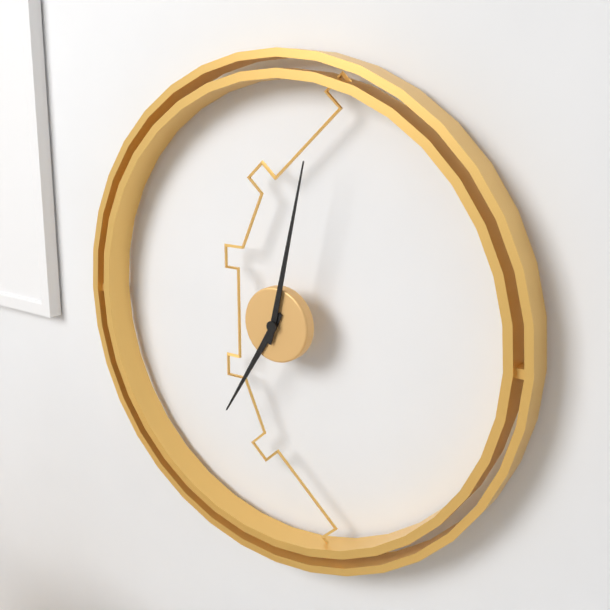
7:02
